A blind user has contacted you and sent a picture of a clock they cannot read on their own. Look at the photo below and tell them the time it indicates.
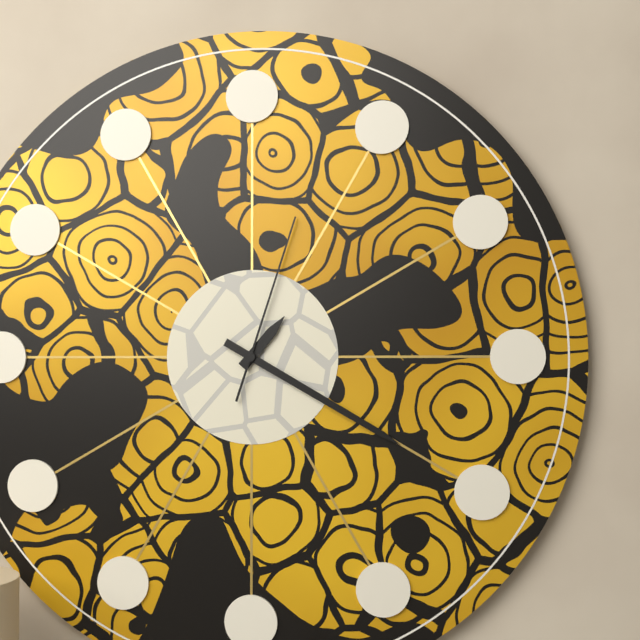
1:20:03
